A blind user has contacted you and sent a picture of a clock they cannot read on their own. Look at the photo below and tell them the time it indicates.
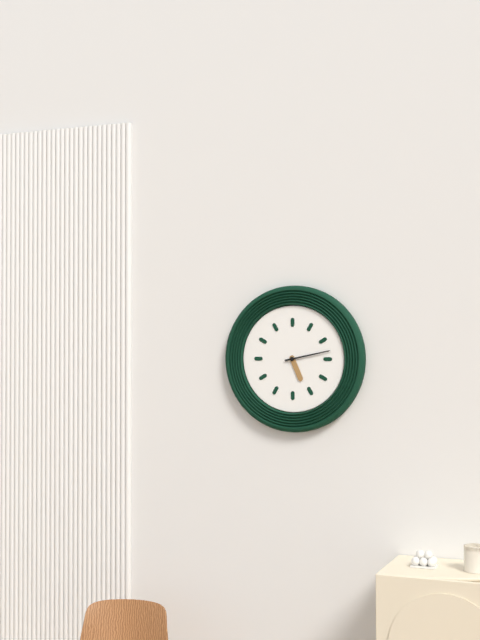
5:13
